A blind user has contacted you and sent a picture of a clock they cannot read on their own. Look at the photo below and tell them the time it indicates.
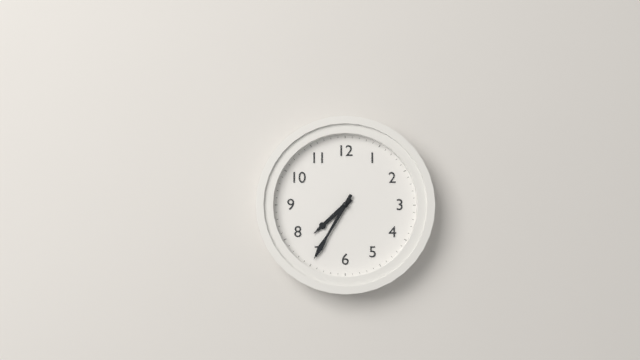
7:35
